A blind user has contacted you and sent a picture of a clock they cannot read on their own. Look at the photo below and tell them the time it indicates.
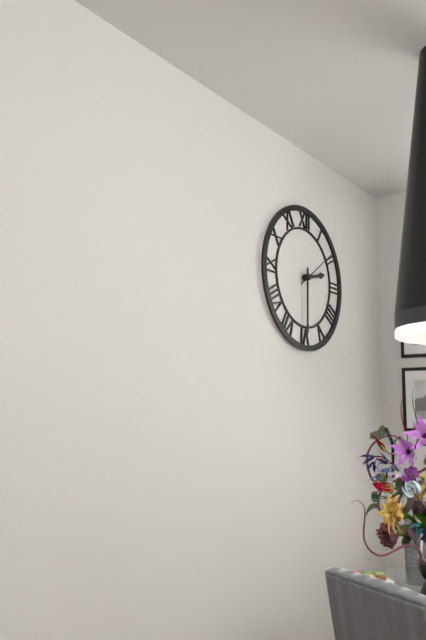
2:30
